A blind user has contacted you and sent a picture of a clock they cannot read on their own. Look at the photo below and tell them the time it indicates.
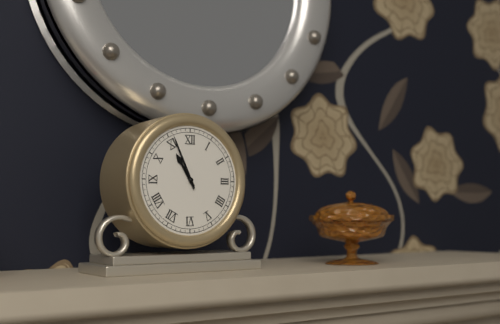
10:56
